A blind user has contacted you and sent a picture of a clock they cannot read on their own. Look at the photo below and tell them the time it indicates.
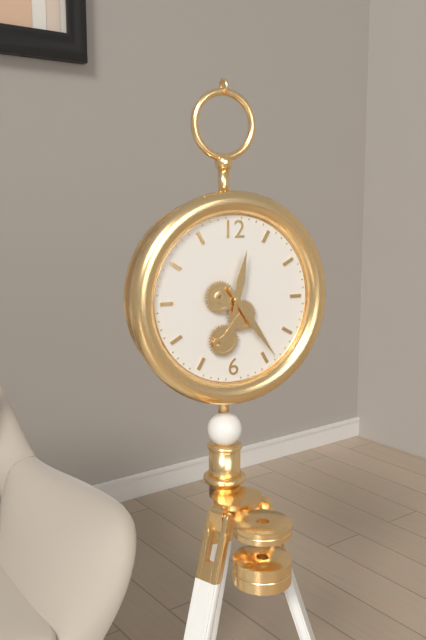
12:24
